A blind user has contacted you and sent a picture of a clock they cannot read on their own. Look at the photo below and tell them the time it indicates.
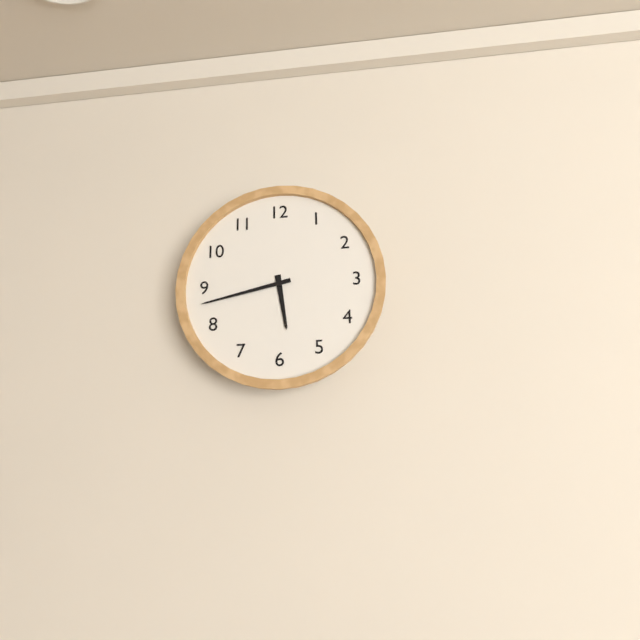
5:43
